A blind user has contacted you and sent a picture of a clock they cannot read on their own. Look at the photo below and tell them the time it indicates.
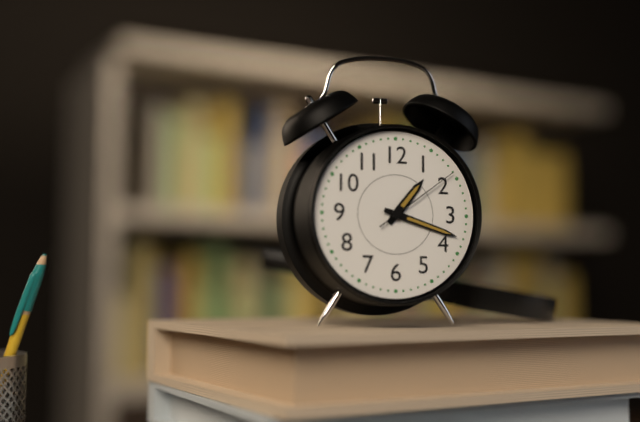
1:18:09
